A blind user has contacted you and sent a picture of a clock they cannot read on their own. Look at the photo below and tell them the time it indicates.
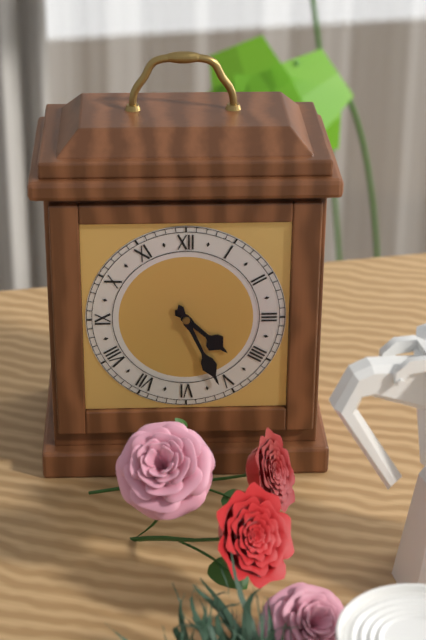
4:26
